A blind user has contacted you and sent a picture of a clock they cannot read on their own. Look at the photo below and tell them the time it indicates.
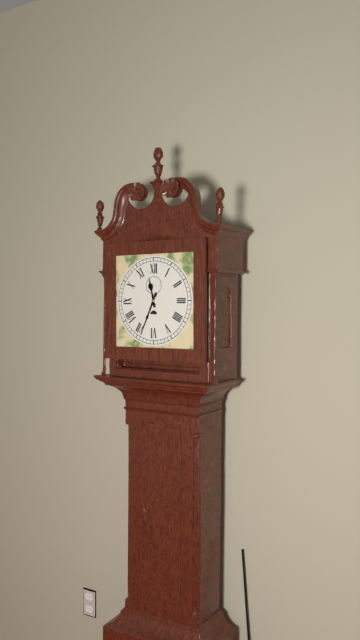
11:34
